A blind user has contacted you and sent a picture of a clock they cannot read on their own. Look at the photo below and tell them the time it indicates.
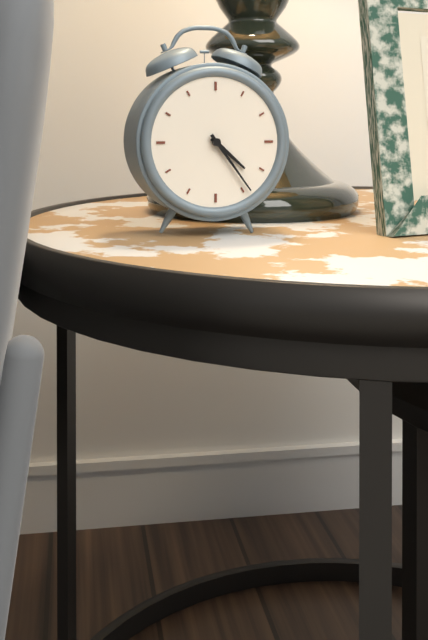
4:24
